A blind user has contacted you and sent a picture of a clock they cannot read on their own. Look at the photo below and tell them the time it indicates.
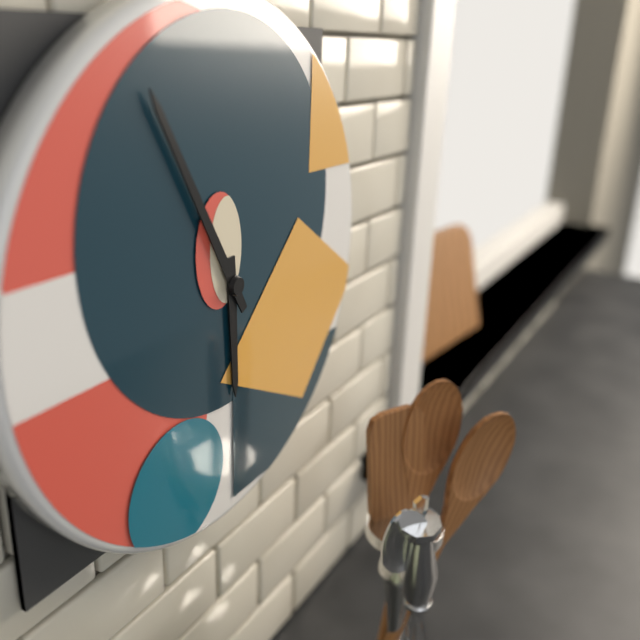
5:55
